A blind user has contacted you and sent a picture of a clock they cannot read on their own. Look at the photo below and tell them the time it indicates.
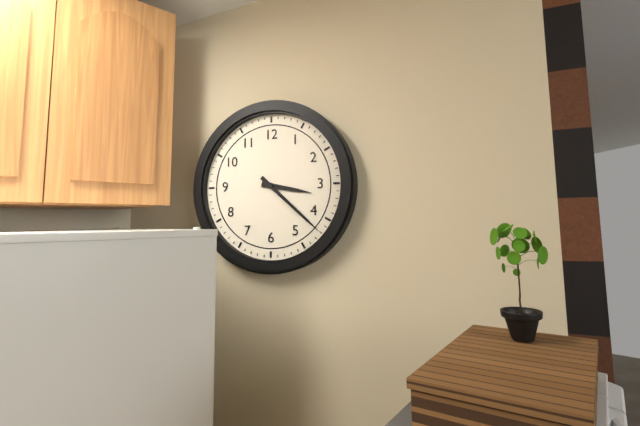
3:22
